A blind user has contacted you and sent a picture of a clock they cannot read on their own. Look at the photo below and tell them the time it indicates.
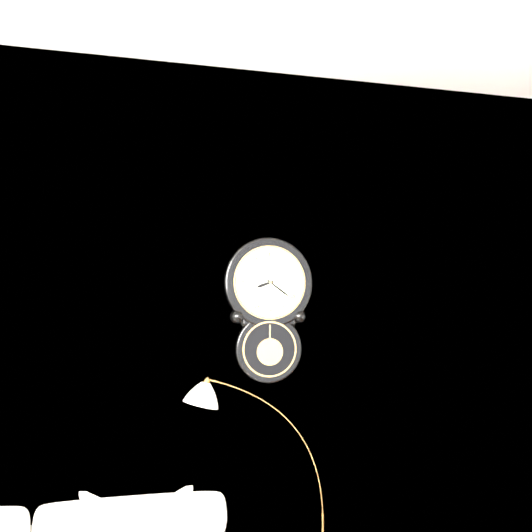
8:21
